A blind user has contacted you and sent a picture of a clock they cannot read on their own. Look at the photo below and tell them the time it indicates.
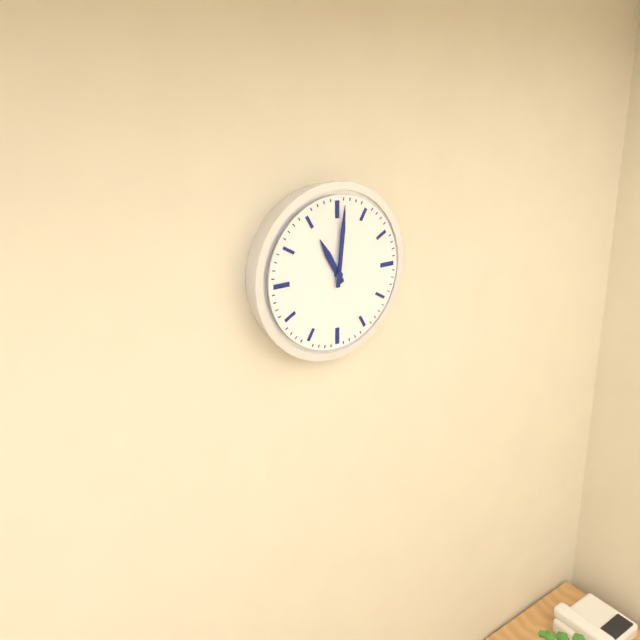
11:01
